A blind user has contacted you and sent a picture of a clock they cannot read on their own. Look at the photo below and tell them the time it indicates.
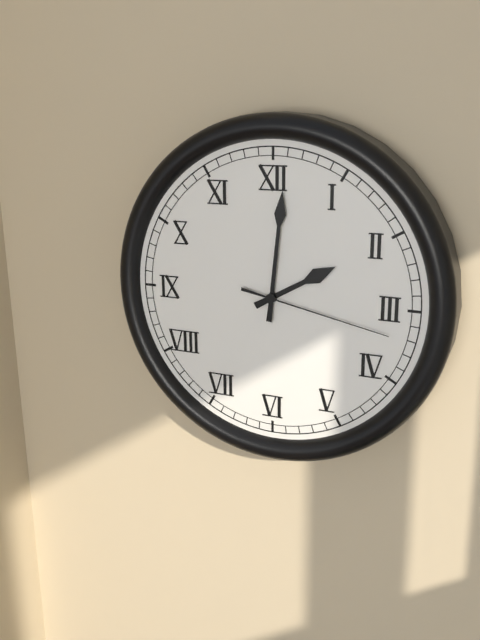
2:01:17
